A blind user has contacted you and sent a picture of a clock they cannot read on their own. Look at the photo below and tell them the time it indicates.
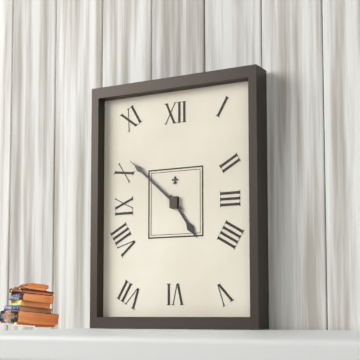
4:52
